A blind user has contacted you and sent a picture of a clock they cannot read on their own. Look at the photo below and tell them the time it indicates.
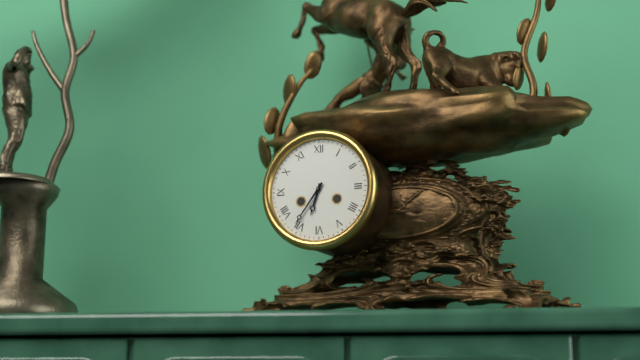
6:36
